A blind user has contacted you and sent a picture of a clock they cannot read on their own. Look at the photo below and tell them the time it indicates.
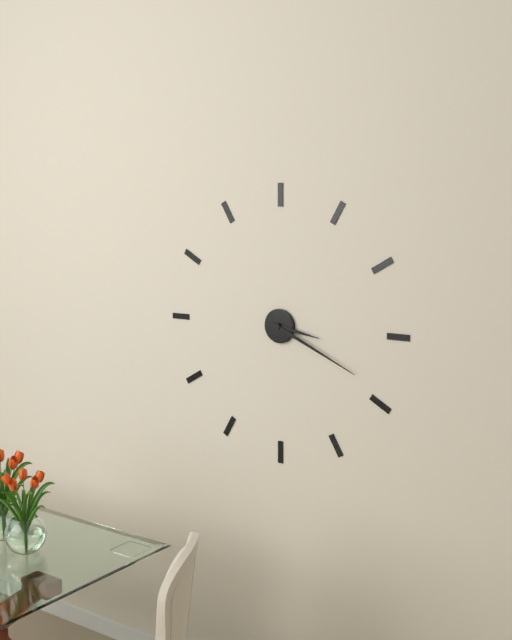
3:19
